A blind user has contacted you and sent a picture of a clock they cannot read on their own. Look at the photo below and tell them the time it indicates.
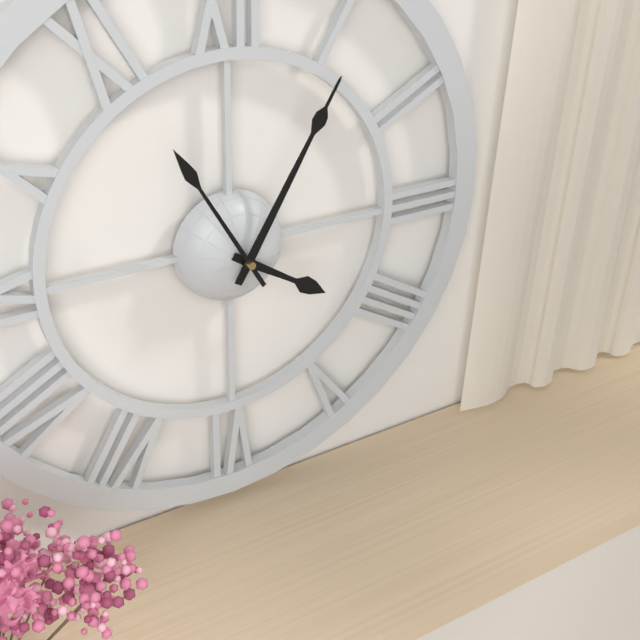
4:05:55
